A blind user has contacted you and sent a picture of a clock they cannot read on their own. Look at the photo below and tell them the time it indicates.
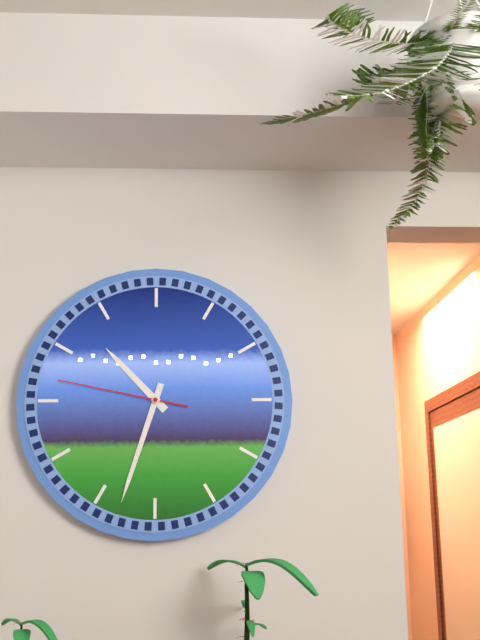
10:33:47
